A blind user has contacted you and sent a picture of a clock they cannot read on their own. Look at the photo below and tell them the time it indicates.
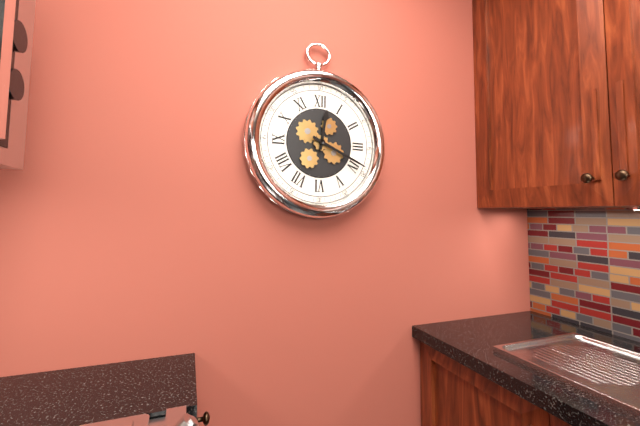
12:19
